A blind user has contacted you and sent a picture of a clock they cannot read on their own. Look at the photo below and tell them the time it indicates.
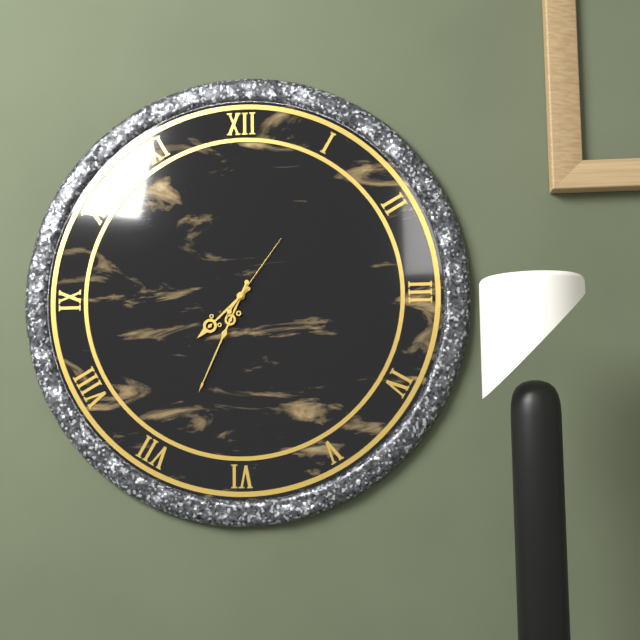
7:34:06
